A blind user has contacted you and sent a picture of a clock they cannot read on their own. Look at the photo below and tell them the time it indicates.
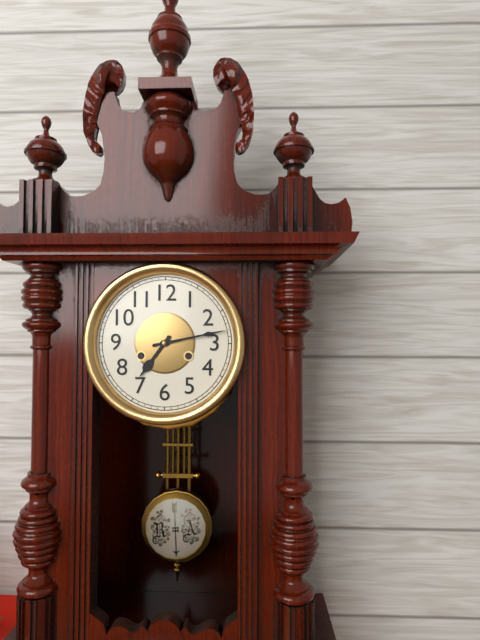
7:13
